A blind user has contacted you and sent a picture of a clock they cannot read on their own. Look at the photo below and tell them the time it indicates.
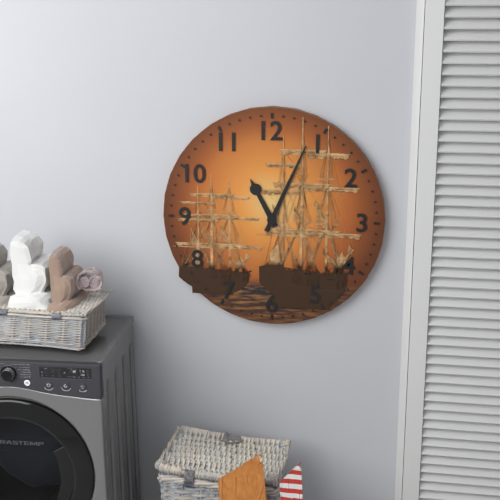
11:04
